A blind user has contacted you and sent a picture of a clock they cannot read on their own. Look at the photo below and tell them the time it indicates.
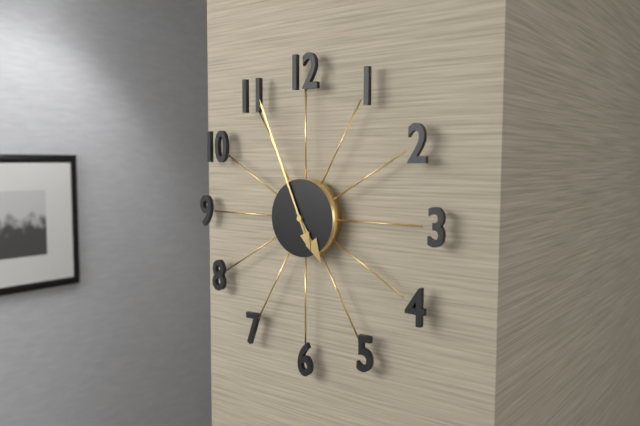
4:56
